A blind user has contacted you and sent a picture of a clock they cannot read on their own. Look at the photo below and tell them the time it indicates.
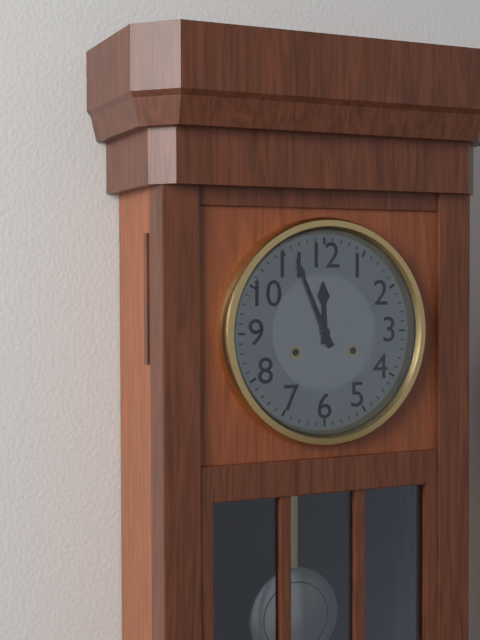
11:56
